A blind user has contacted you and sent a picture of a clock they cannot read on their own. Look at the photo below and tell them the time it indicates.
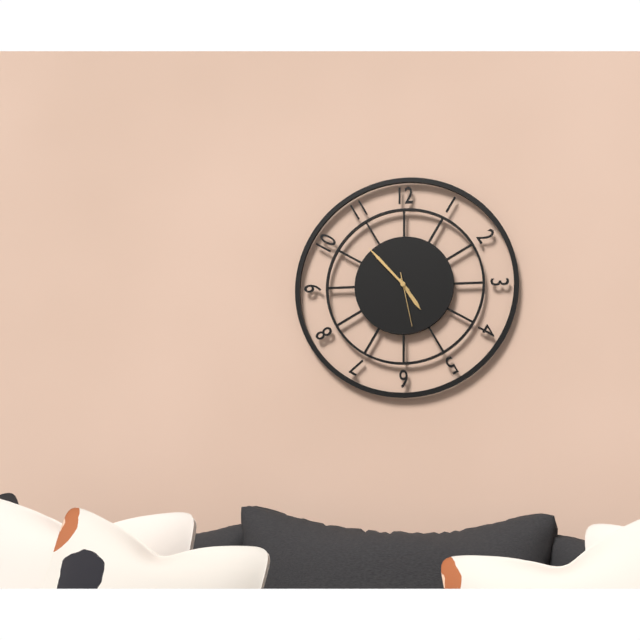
4:53:28
